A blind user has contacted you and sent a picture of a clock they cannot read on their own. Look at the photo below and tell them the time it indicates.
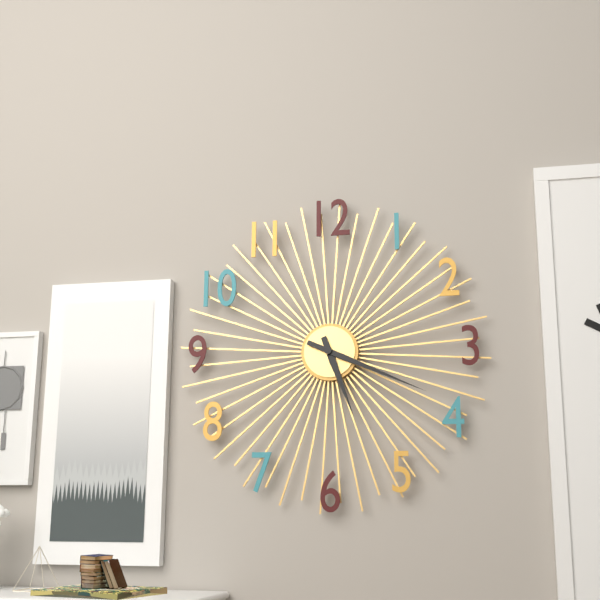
5:19
